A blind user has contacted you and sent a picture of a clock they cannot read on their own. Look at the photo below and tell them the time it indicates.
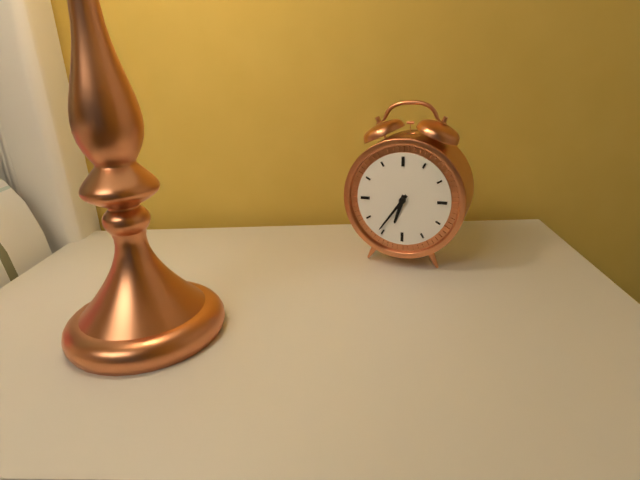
6:36
